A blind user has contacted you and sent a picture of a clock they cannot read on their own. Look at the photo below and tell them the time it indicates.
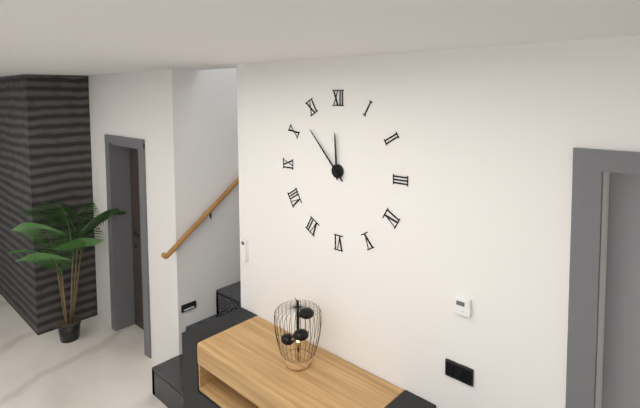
11:53
